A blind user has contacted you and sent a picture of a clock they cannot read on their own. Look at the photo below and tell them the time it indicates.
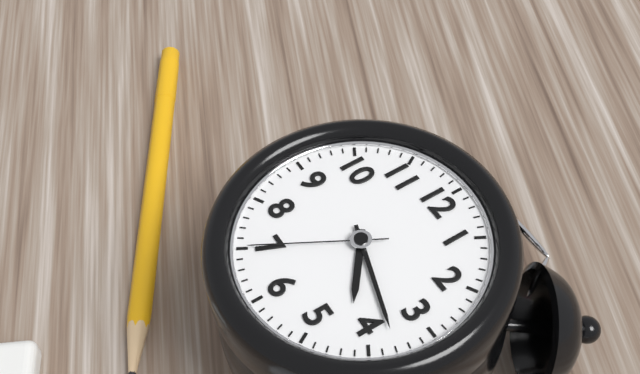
4:18:35
